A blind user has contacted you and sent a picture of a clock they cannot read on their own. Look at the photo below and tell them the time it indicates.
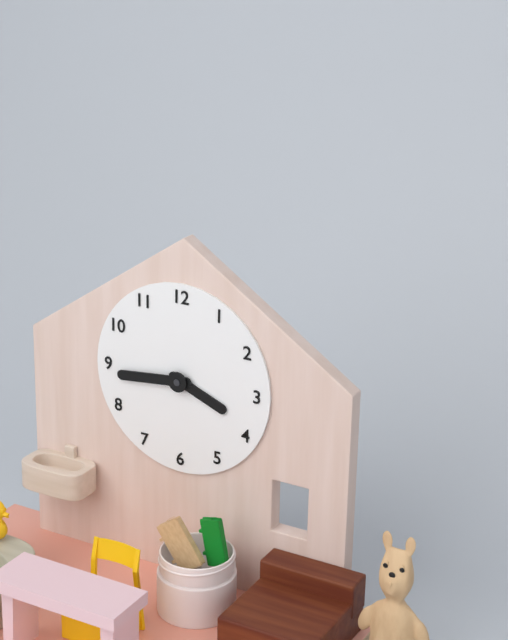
3:44
